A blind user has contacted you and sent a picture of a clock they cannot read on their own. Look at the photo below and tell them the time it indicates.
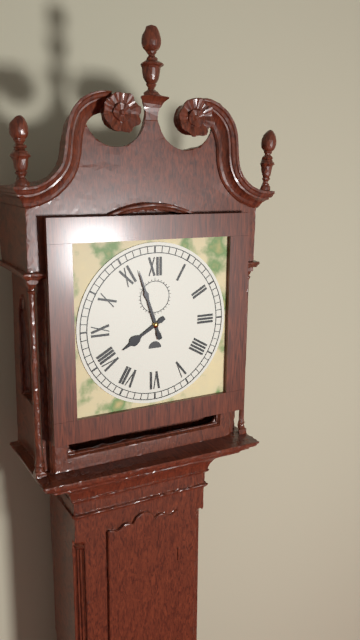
7:57
